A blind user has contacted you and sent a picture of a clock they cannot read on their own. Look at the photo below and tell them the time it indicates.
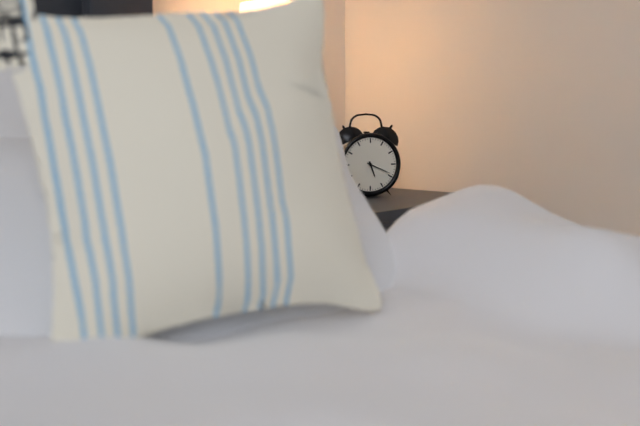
5:19
